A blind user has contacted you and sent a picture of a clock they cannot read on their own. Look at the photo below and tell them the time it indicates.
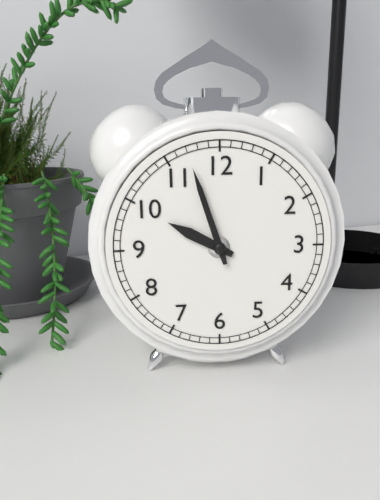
9:57
